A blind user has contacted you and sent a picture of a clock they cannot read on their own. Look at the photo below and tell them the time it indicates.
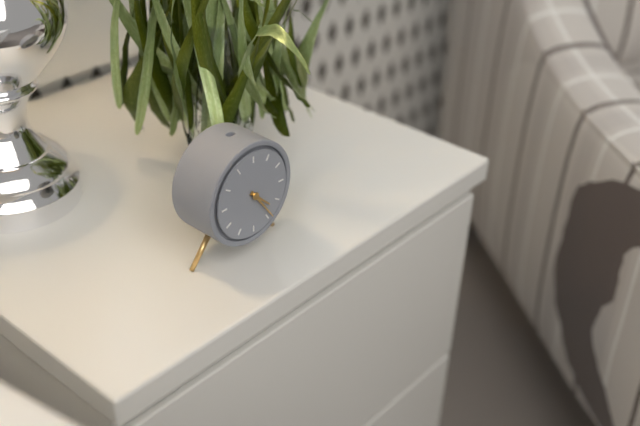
4:24
